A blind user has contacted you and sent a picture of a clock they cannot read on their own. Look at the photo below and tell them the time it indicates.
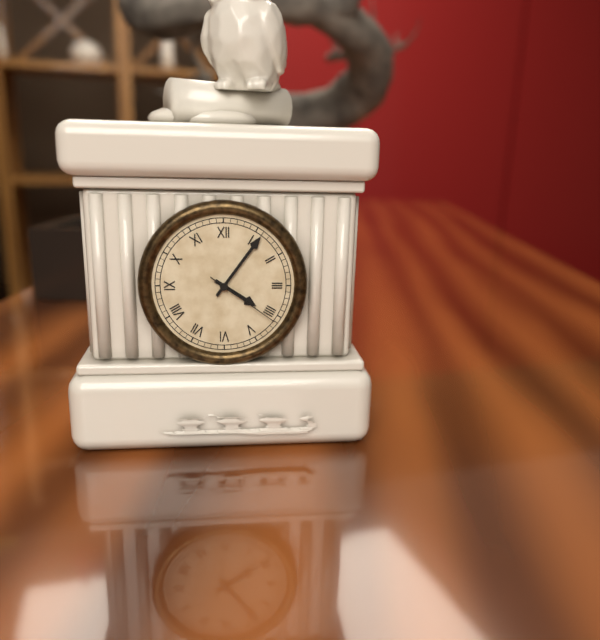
4:06:21
